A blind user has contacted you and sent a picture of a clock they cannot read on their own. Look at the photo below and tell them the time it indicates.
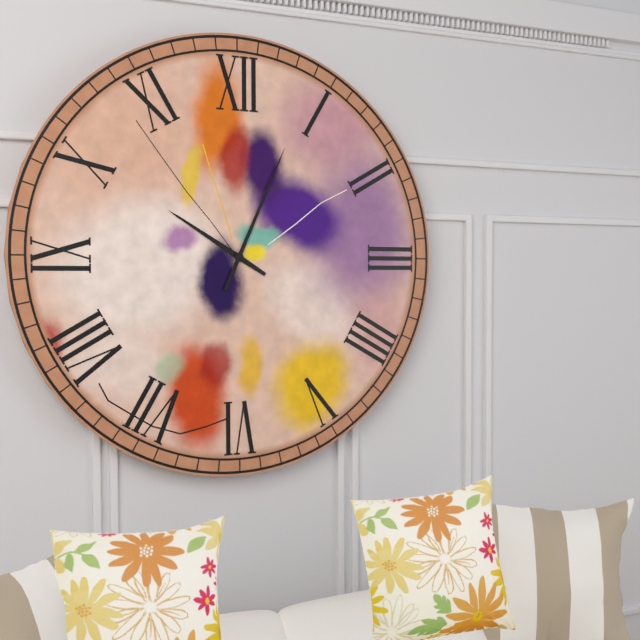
10:04
